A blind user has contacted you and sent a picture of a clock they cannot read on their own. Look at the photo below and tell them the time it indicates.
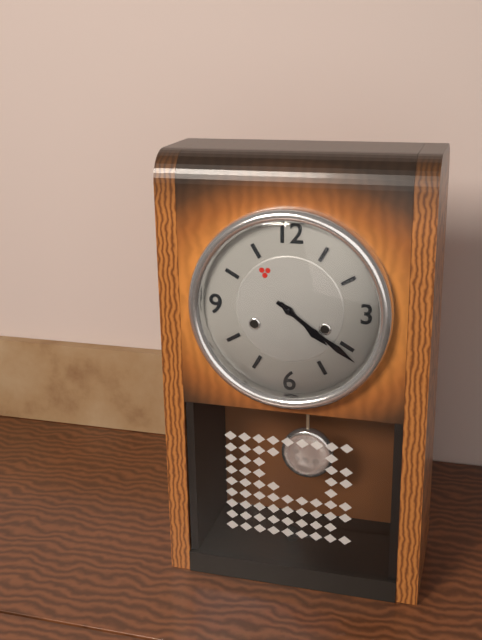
4:21
